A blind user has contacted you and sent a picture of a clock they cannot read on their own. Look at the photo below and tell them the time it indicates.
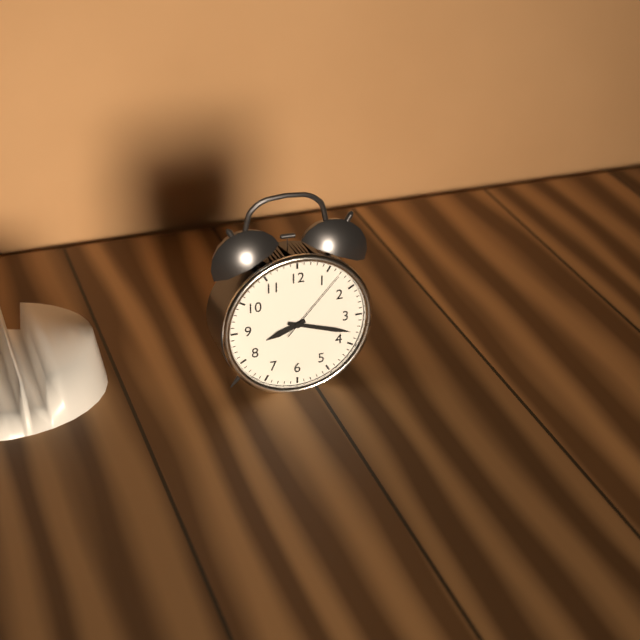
8:18:07
